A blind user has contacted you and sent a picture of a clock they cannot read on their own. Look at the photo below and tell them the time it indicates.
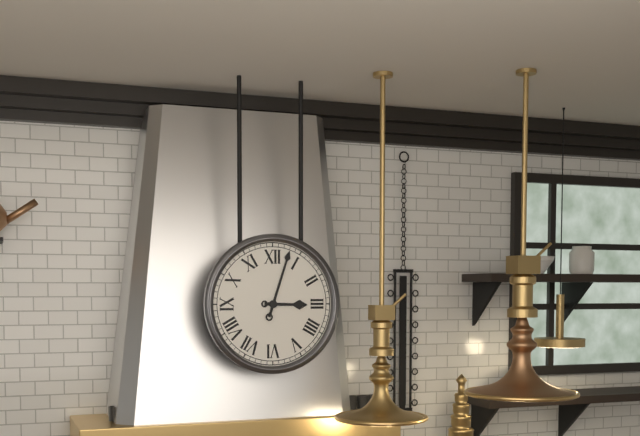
3:03
